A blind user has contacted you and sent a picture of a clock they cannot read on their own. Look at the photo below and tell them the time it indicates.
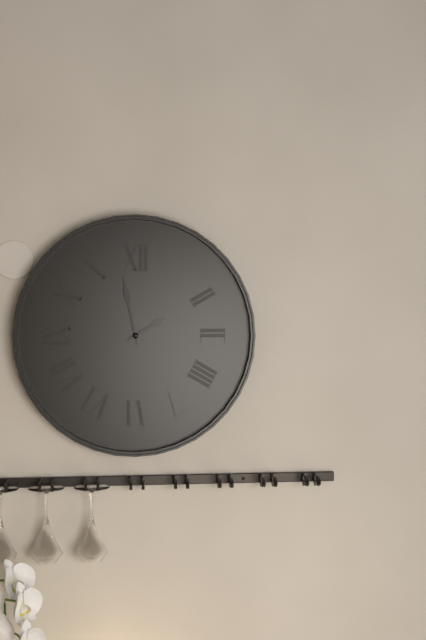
1:58
